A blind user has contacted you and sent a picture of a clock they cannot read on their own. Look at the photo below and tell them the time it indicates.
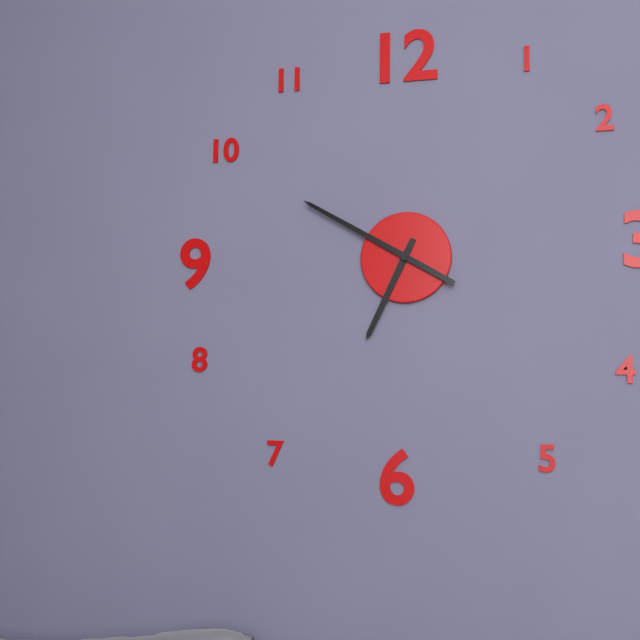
6:50
